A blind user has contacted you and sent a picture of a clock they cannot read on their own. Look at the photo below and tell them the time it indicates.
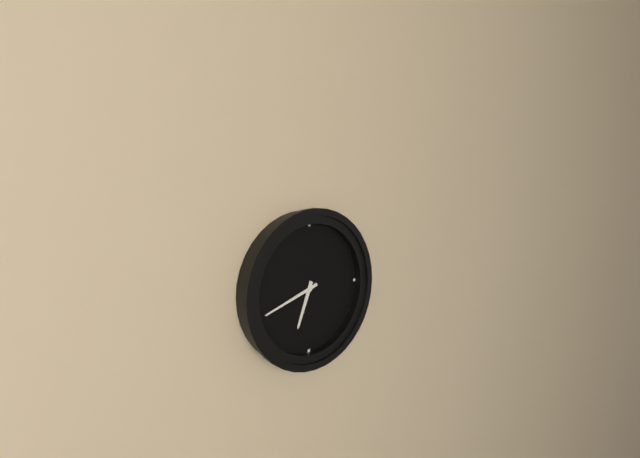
6:42
